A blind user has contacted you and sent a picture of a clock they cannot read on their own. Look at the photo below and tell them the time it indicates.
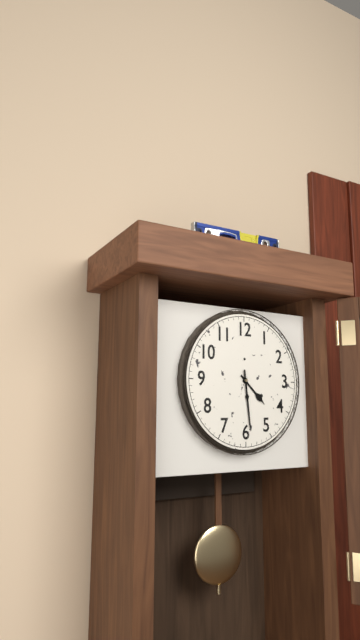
4:29
